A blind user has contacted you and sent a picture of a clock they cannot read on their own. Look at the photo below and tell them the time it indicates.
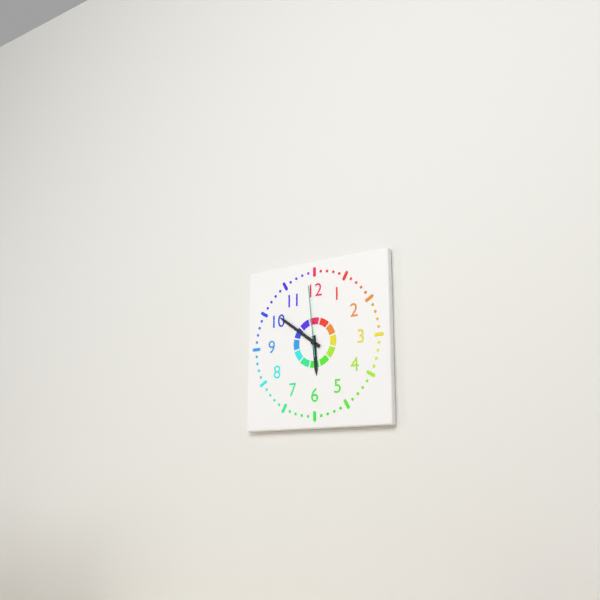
5:51:59
